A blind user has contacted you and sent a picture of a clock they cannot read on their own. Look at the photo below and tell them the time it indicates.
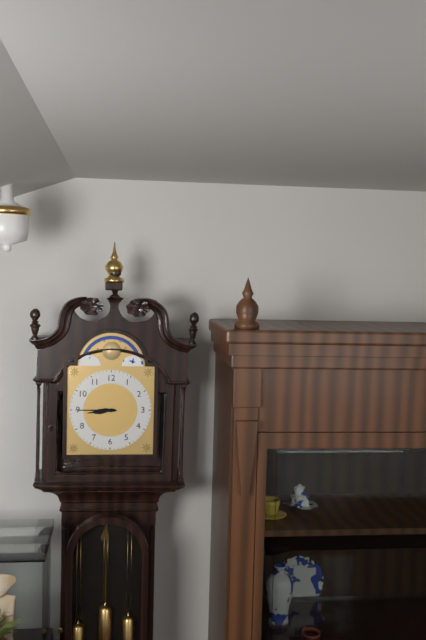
8:45
